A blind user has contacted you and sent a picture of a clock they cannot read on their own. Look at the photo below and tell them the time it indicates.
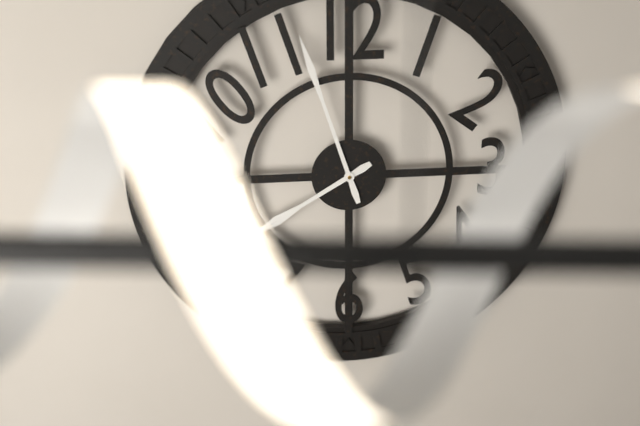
7:57
